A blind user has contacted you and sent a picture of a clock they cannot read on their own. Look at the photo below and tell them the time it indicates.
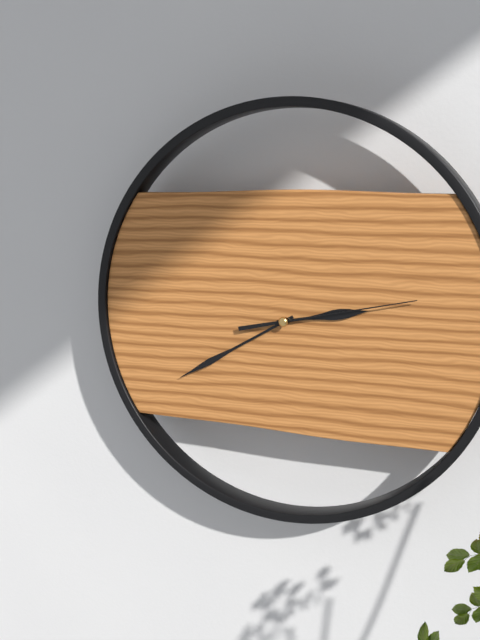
2:40:13
